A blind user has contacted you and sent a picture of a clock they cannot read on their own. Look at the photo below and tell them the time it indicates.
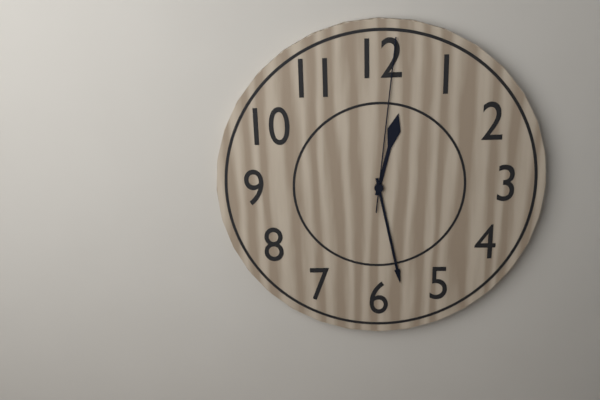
12:28:01
